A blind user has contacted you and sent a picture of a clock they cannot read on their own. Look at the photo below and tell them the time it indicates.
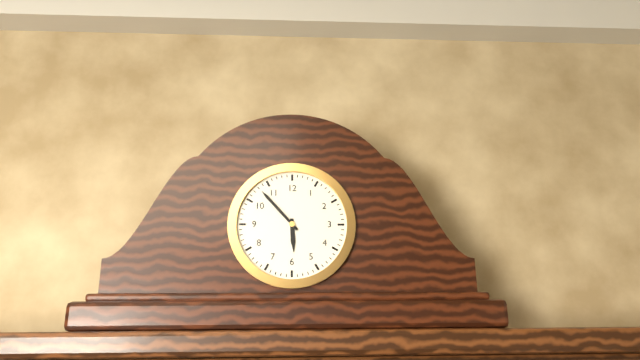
5:53
